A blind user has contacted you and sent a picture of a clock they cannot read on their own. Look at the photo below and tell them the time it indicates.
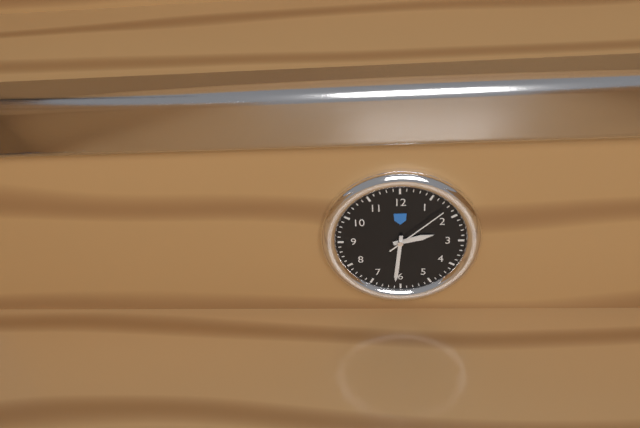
2:31:08
